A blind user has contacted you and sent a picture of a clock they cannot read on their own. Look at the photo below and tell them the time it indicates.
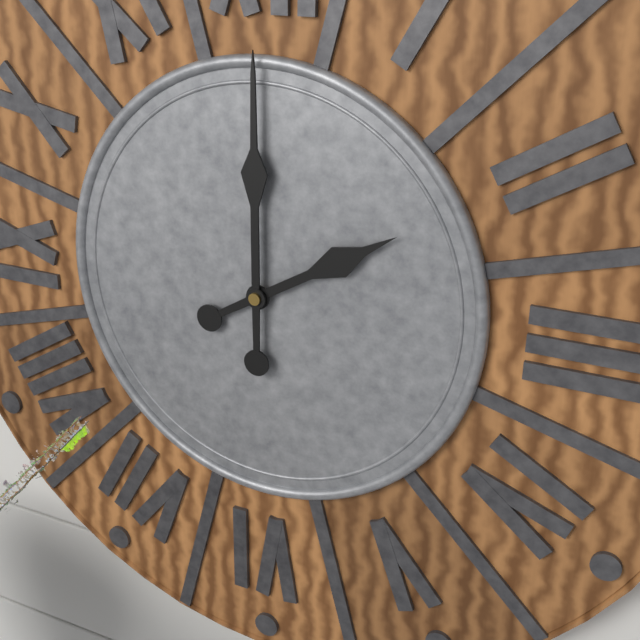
2:00
